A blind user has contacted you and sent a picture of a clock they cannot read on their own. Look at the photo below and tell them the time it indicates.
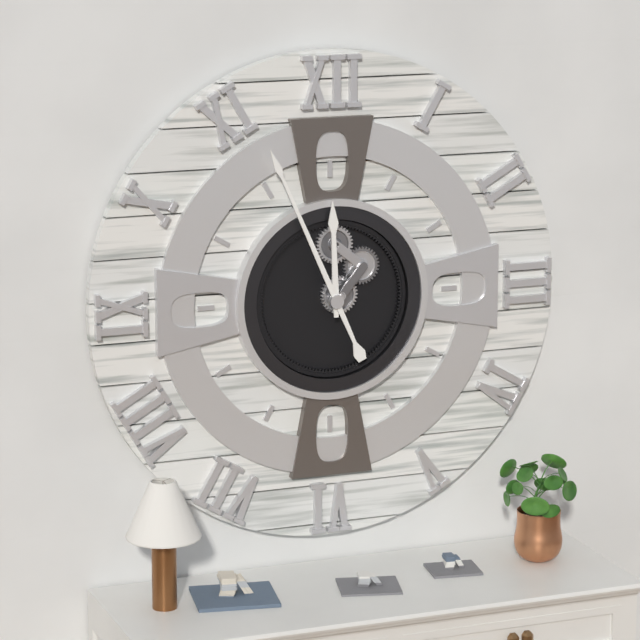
11:56
